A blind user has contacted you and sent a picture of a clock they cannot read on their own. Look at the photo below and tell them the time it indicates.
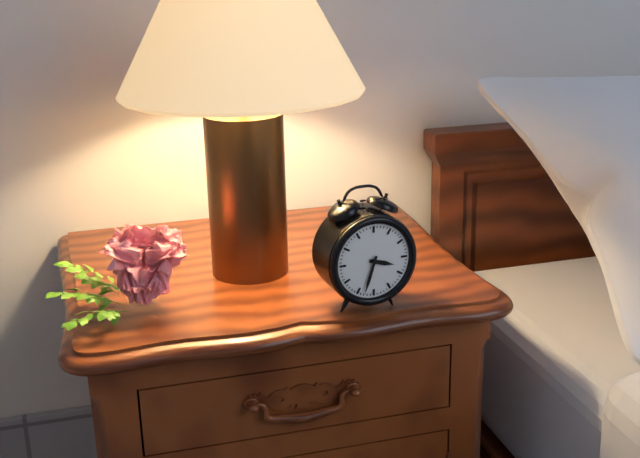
3:33
